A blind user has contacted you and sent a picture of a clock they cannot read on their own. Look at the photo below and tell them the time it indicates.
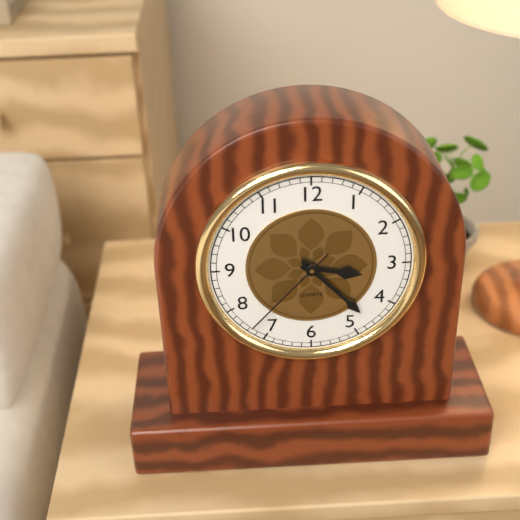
3:23:37
